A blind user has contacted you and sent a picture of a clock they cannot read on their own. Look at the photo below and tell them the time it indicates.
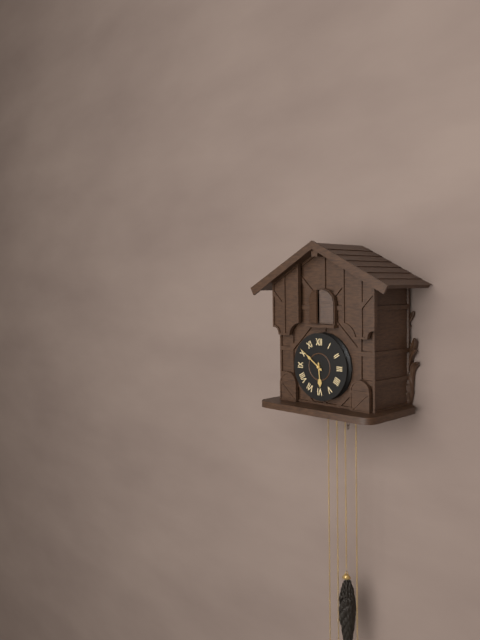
5:51
